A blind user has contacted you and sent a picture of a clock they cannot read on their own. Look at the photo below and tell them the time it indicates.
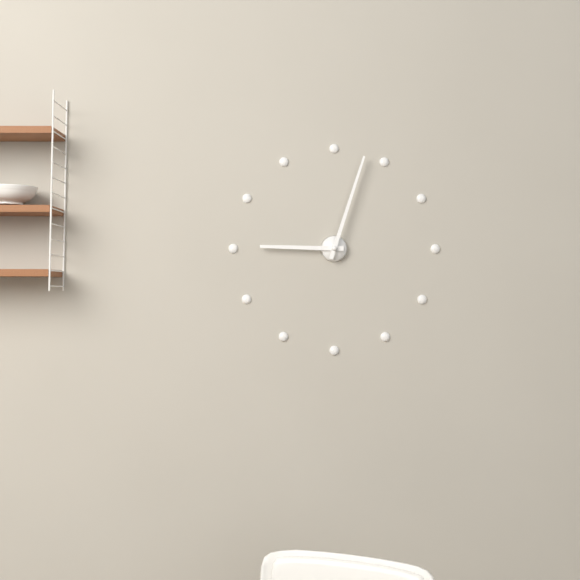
9:03
